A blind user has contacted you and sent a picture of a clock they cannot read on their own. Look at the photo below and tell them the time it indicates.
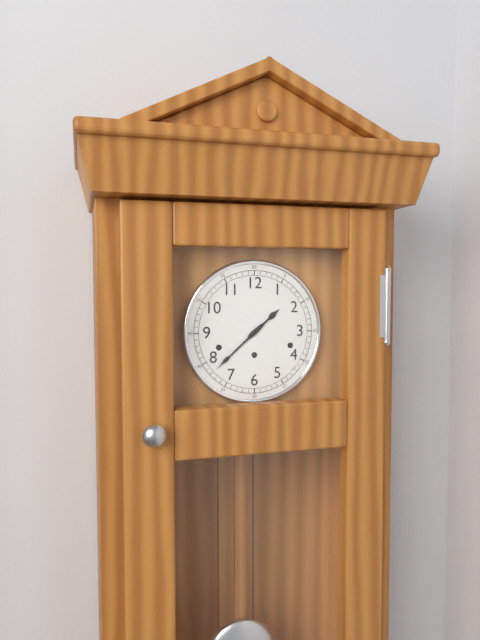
1:38
